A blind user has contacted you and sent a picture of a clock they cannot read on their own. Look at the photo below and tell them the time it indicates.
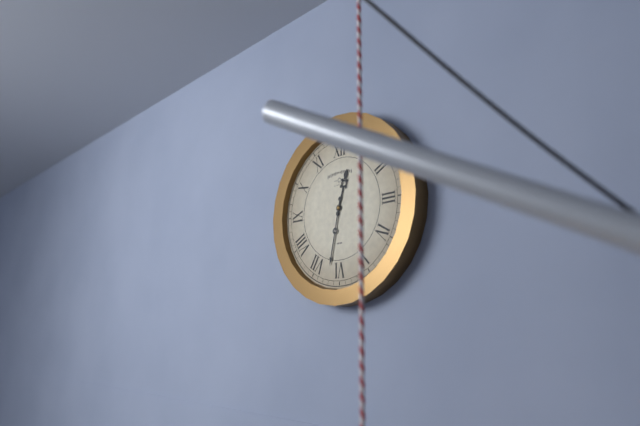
12:32
